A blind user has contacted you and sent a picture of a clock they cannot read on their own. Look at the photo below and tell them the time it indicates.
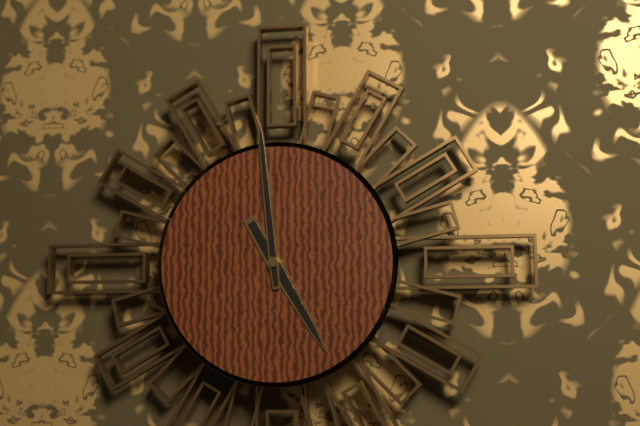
4:59
